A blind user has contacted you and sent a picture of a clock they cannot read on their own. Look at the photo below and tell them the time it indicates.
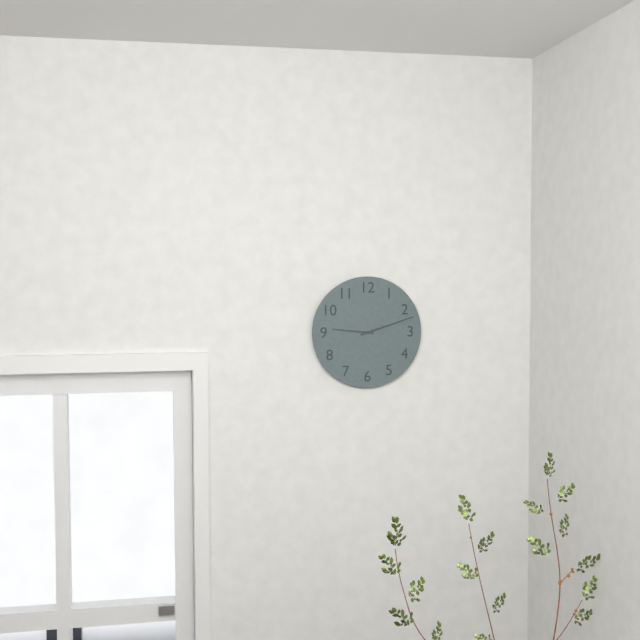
9:12
